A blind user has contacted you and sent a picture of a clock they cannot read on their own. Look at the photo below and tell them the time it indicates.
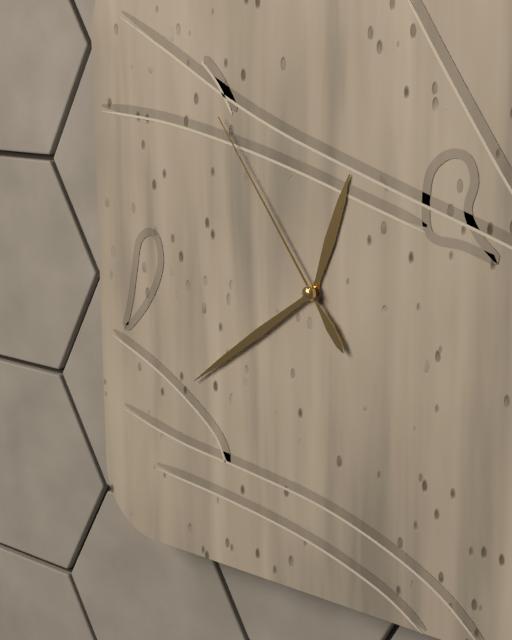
12:39:54
